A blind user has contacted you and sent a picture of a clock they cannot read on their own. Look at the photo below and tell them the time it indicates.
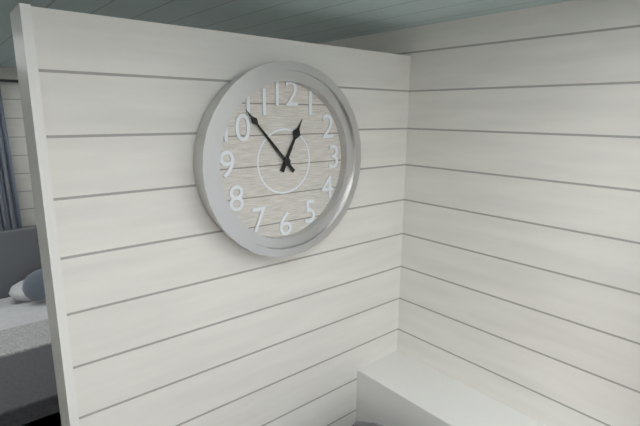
12:53
